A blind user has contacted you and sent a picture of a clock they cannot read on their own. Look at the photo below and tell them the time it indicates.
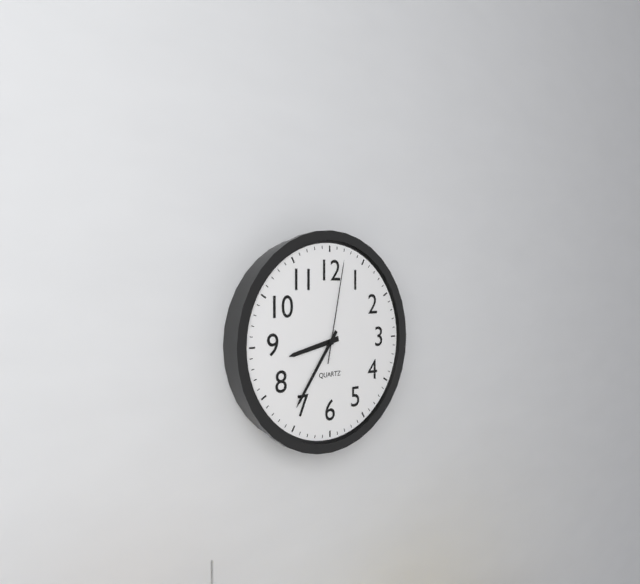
8:36:02
